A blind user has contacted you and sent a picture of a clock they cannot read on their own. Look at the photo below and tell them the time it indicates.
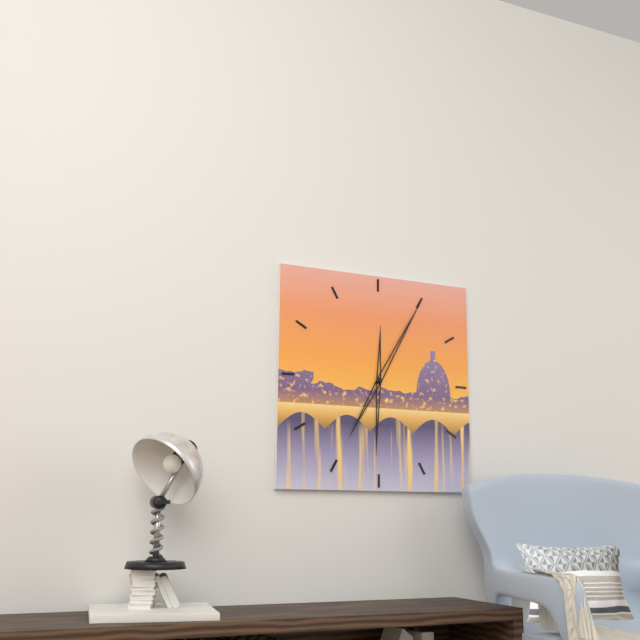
6:05
